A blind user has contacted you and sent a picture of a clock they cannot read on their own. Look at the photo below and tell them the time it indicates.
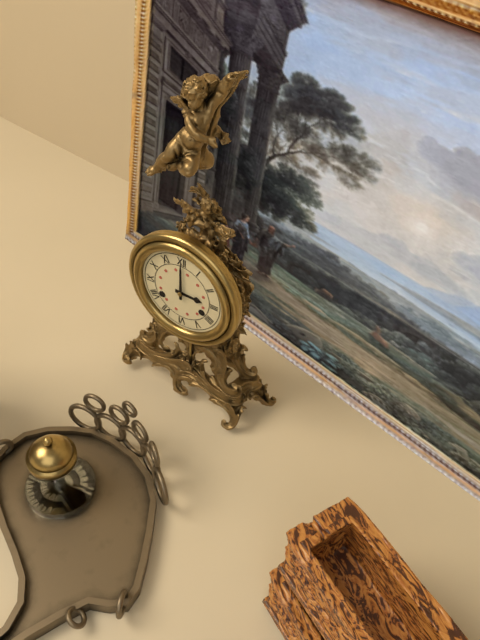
3:00
